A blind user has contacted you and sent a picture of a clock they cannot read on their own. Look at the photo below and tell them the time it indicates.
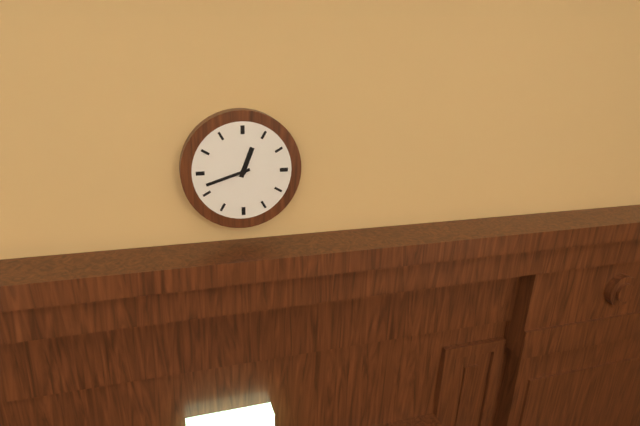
12:42
